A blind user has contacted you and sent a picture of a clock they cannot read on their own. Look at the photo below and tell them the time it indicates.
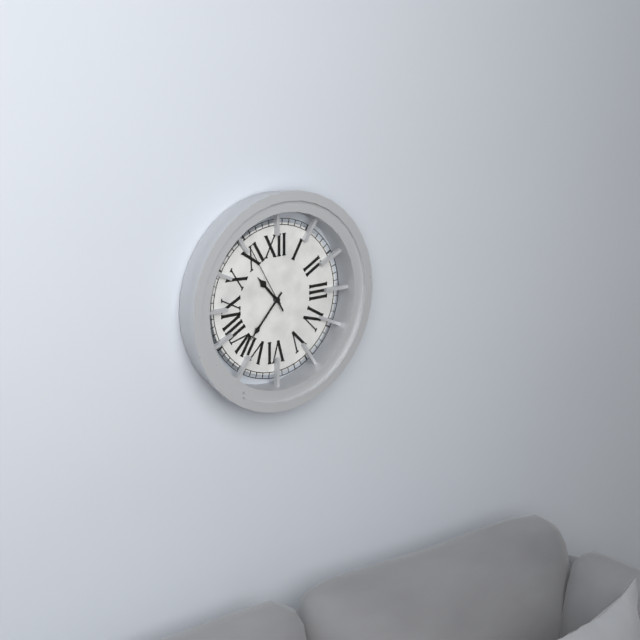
10:37:55
